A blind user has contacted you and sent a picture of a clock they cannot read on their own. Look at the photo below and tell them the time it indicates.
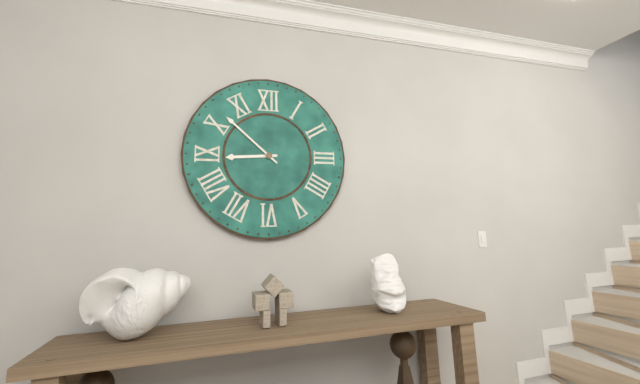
8:52
